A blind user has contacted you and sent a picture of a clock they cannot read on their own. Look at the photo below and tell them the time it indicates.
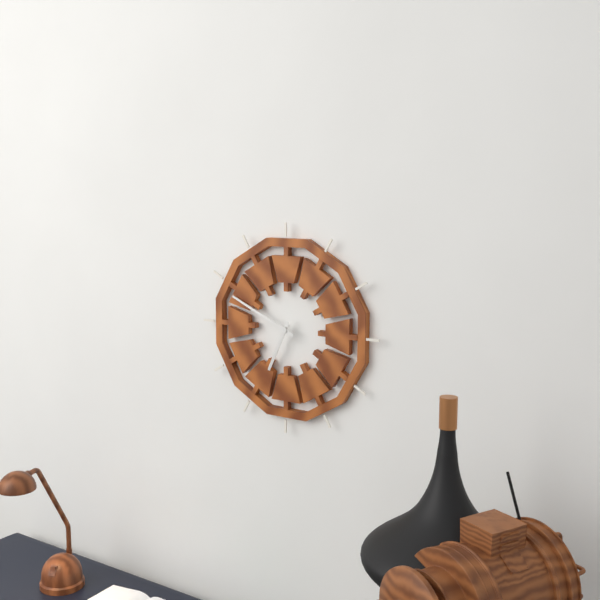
6:49
